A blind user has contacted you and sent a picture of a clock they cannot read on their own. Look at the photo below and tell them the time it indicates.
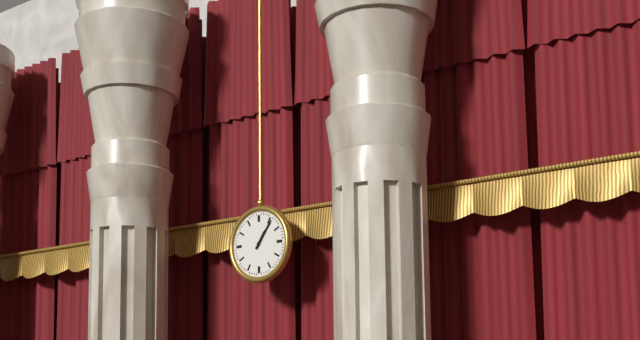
1:06
